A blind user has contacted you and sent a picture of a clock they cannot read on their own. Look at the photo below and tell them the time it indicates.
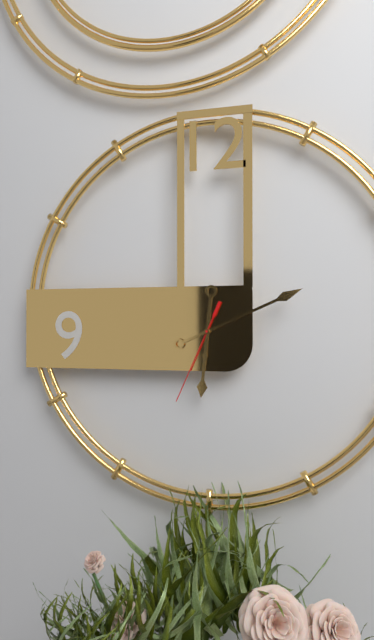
6:11:34
